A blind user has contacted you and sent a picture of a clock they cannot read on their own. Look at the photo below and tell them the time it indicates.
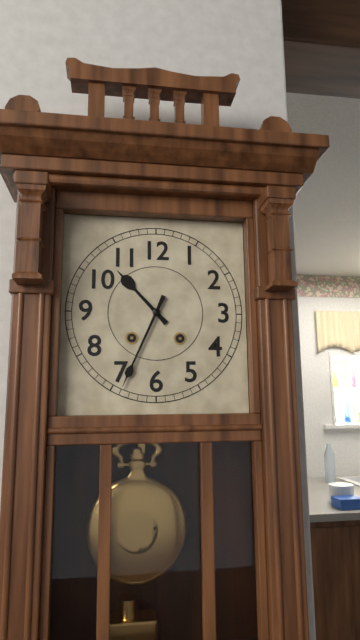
10:34
